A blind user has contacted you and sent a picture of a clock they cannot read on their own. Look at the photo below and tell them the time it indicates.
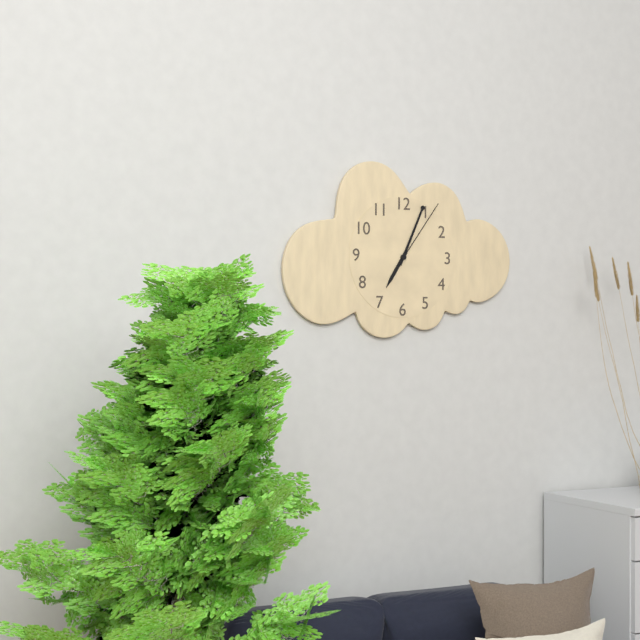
7:04:06
